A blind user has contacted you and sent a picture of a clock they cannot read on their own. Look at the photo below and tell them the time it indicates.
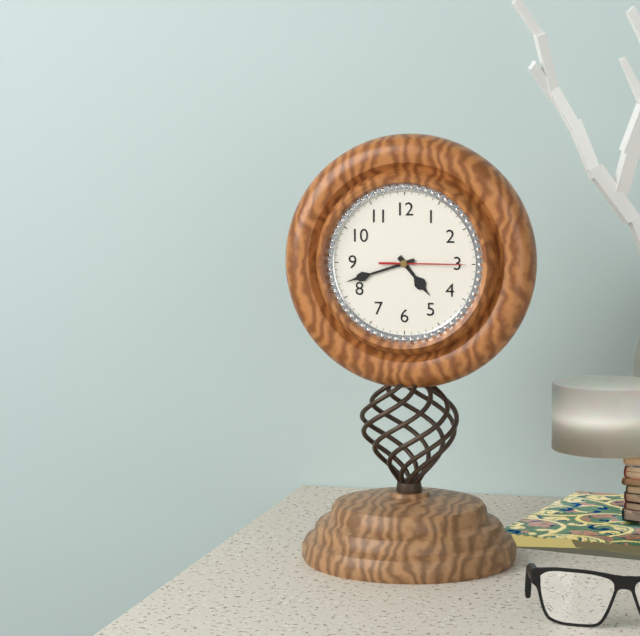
4:42:15
